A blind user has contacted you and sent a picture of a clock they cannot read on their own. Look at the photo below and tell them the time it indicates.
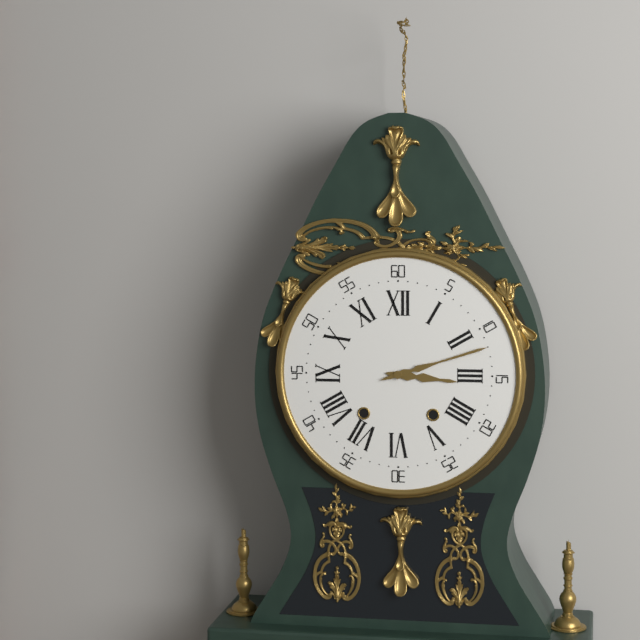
3:12
